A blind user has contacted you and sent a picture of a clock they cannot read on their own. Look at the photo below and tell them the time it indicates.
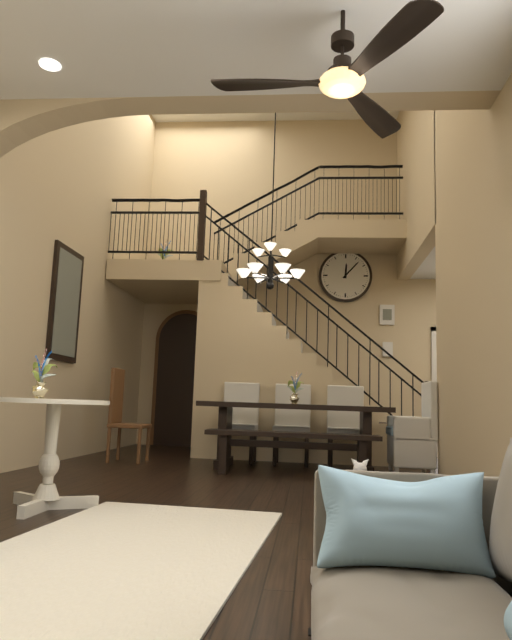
12:07
